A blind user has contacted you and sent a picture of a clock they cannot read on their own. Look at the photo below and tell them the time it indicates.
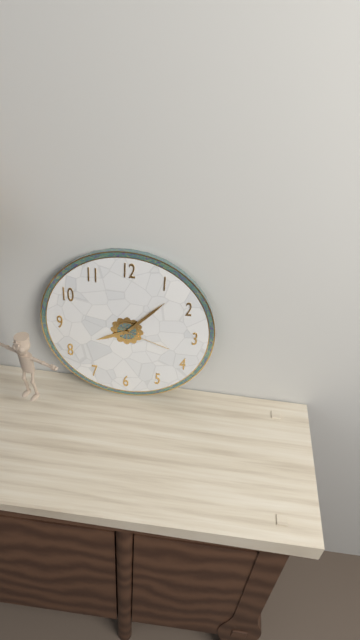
8:07:18
